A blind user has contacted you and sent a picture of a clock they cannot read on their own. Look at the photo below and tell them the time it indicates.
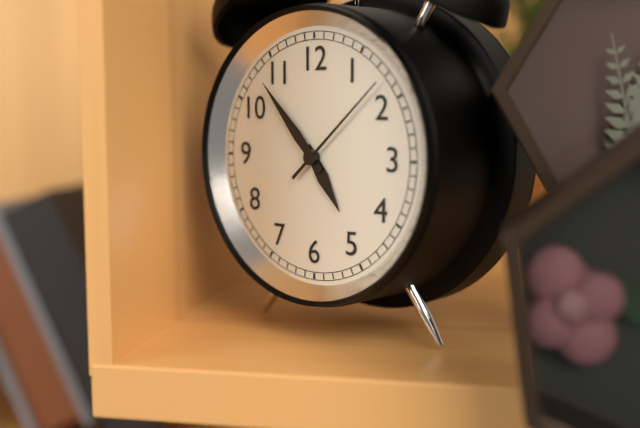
4:53:08
